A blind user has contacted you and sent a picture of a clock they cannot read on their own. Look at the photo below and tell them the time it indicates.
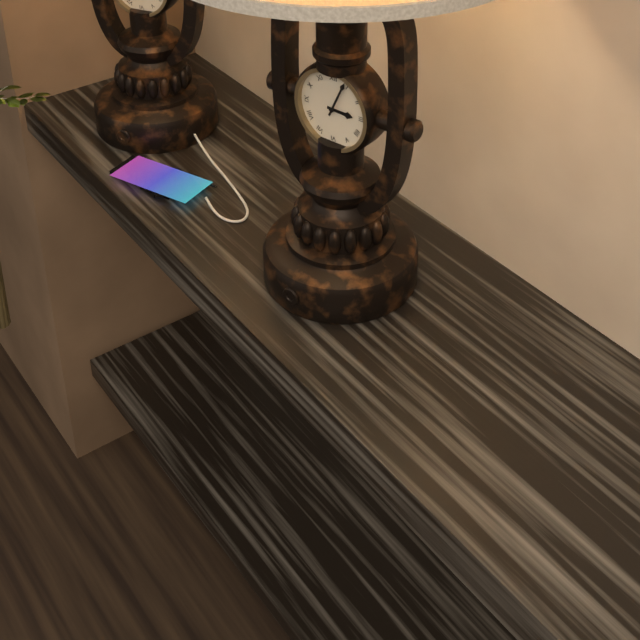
3:04
